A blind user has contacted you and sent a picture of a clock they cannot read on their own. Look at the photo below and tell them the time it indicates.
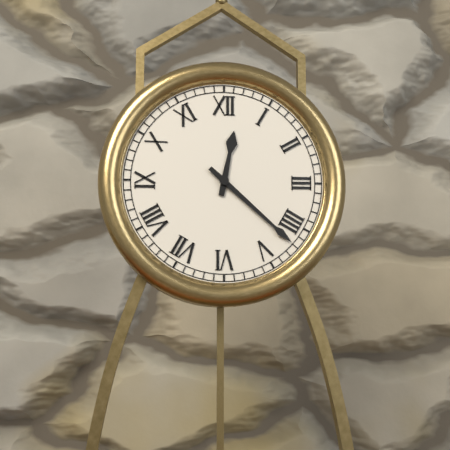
12:22
